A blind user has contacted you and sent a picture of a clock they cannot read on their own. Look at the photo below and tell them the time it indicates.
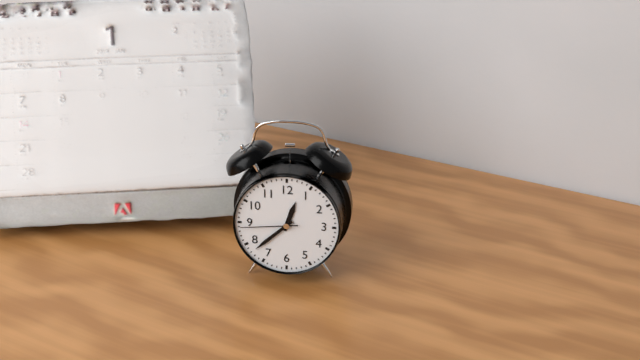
12:38:44
